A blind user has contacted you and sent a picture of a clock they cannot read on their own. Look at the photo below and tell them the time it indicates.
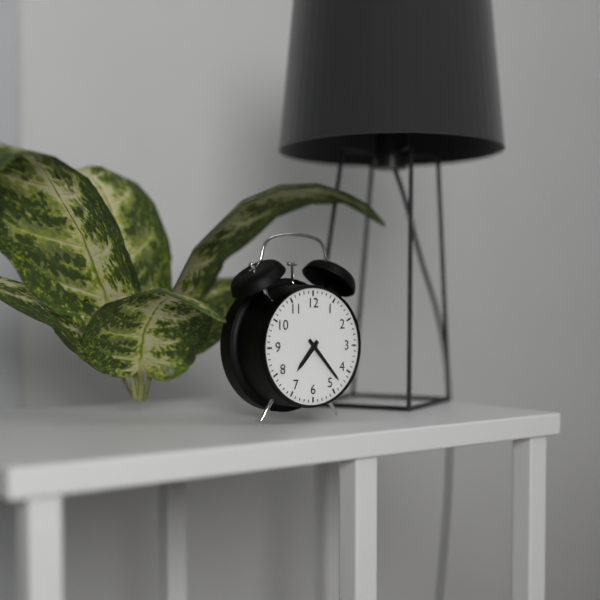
7:23
